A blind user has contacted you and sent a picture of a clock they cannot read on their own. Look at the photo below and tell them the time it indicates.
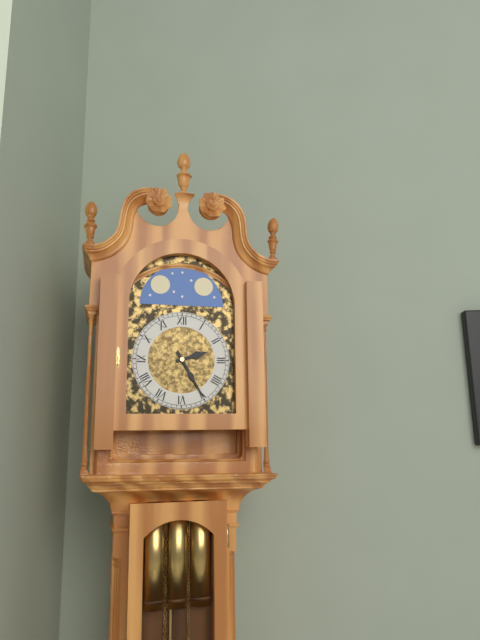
2:25
